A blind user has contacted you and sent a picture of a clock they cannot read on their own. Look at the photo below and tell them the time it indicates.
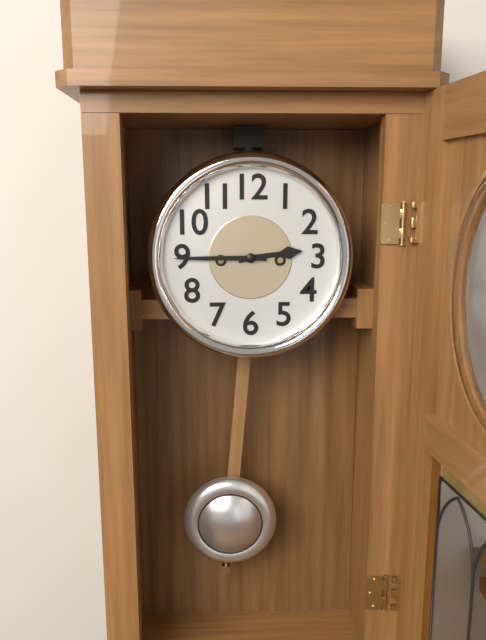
2:45
